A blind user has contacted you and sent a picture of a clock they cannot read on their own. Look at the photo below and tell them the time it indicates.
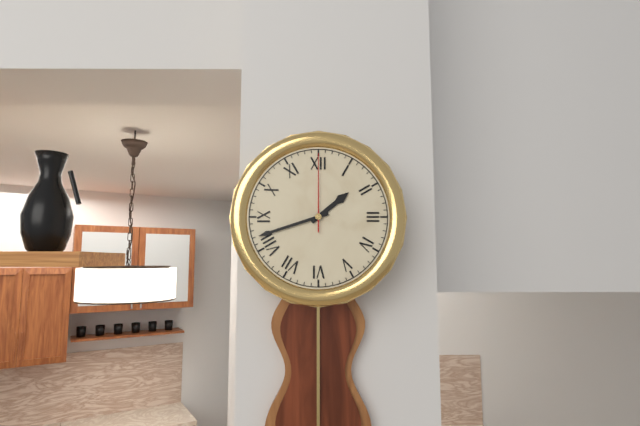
1:42:00
